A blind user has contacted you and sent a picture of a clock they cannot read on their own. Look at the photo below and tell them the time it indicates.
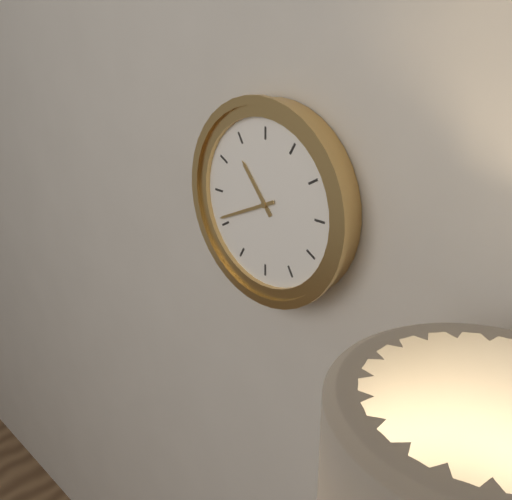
10:41
